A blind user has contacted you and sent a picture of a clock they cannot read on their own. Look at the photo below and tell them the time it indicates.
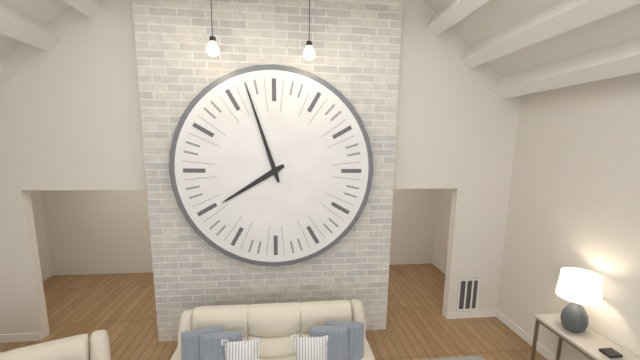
7:57
